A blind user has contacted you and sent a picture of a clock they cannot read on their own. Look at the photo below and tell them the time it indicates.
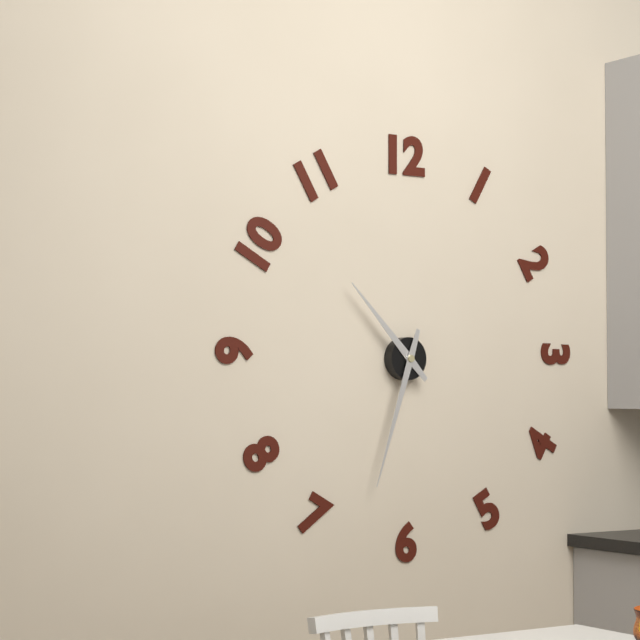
10:33
